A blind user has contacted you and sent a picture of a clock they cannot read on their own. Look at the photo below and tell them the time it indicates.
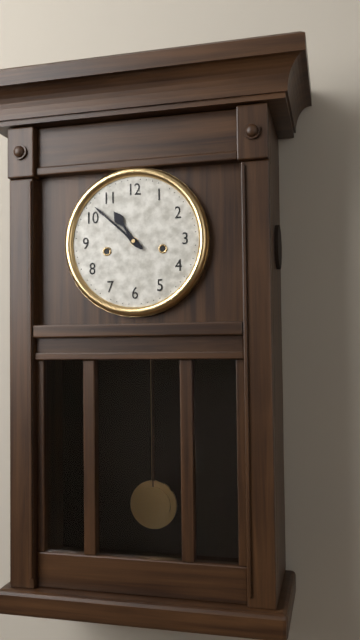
10:52
